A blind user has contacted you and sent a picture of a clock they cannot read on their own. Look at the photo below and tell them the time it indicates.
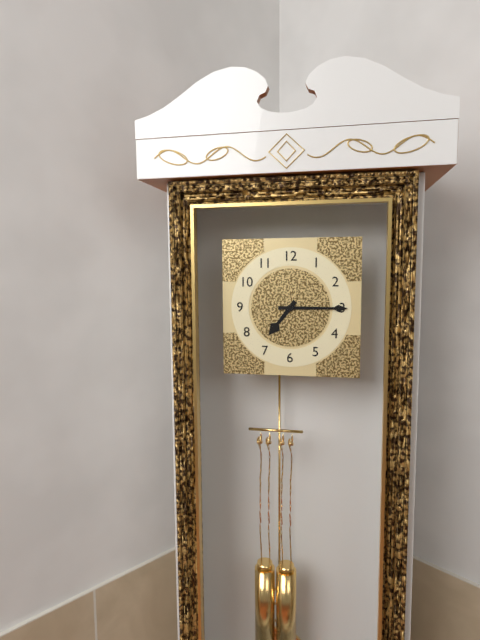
7:15
